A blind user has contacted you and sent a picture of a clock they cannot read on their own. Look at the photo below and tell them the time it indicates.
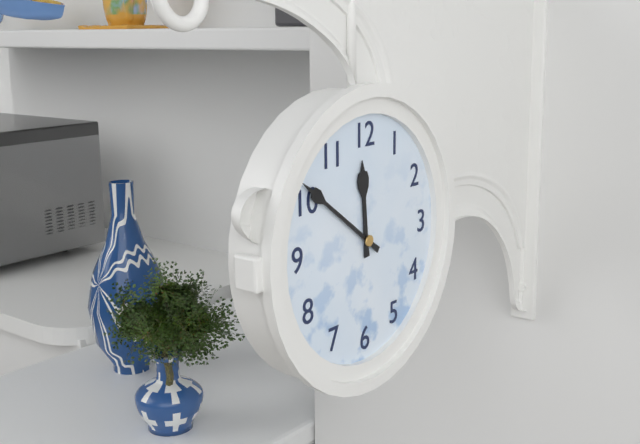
11:51
